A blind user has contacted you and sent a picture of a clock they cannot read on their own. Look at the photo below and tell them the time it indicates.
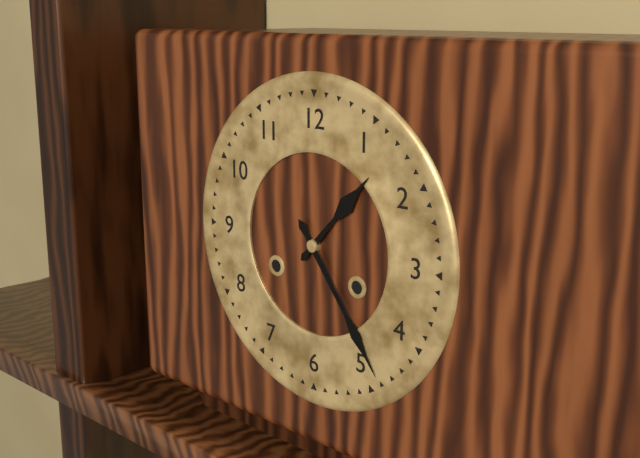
1:24
